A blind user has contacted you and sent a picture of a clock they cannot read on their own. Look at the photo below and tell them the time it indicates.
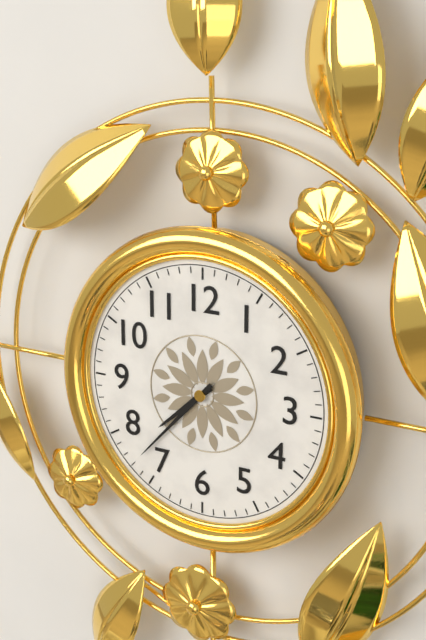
7:37
